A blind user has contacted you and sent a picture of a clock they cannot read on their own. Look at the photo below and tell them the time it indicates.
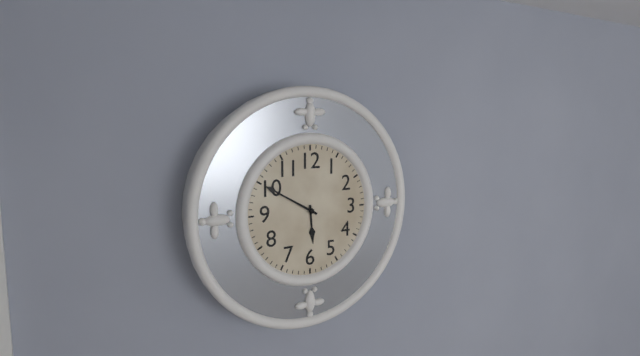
5:50
